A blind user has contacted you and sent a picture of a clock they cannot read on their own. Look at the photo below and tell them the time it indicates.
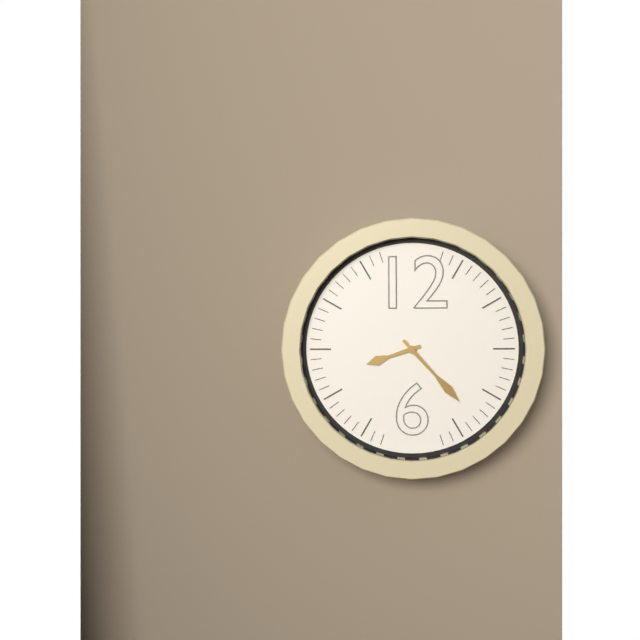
8:23
